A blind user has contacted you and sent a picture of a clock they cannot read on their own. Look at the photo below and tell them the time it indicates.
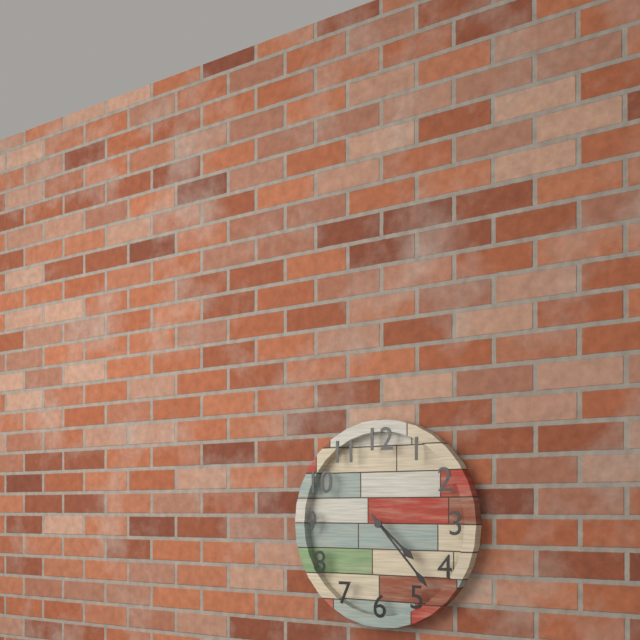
4:23
